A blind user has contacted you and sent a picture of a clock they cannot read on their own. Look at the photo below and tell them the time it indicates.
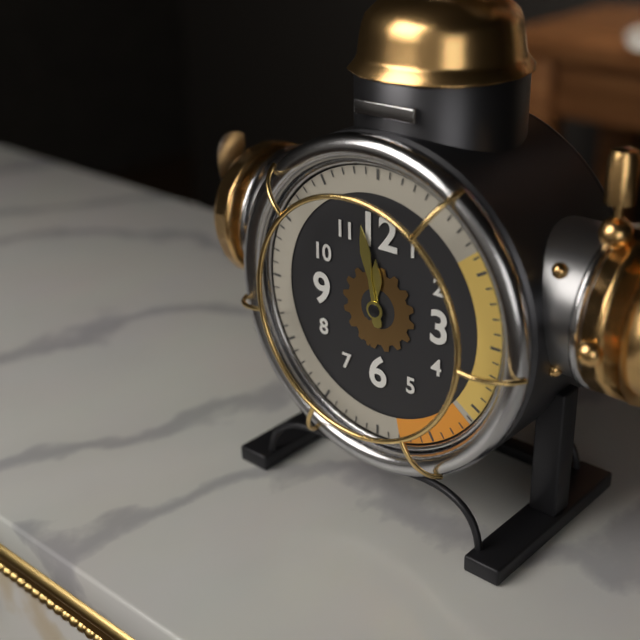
11:58
